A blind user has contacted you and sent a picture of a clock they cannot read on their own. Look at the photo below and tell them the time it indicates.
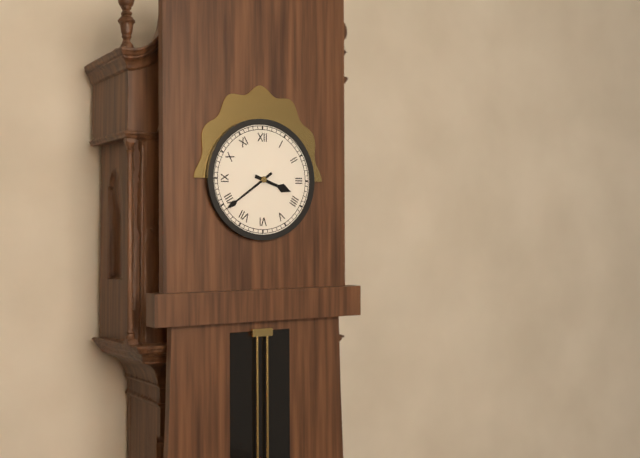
3:39
